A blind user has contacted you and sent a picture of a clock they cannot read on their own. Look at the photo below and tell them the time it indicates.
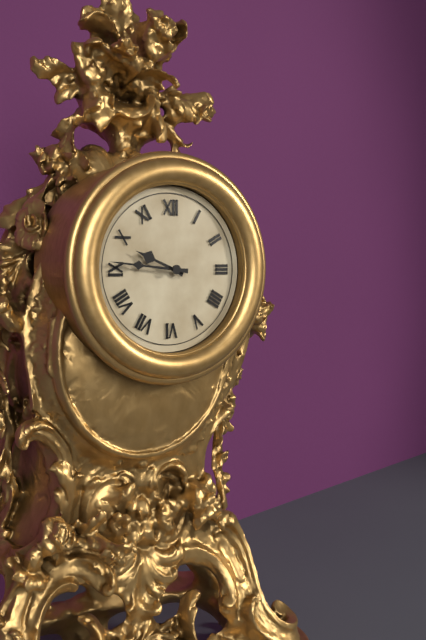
9:46
